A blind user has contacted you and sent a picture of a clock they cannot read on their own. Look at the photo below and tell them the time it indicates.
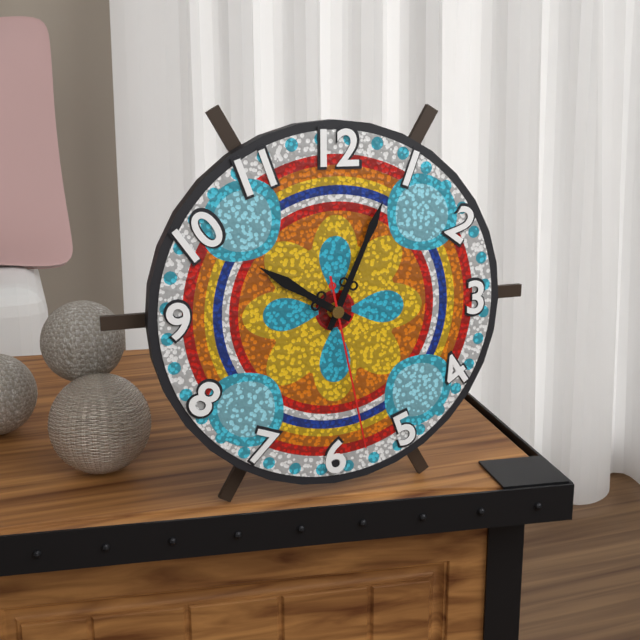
10:04:28
